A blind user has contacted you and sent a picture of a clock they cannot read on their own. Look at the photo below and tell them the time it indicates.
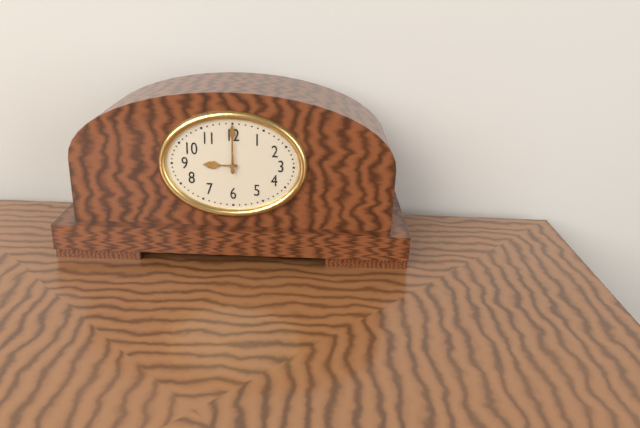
9:00
